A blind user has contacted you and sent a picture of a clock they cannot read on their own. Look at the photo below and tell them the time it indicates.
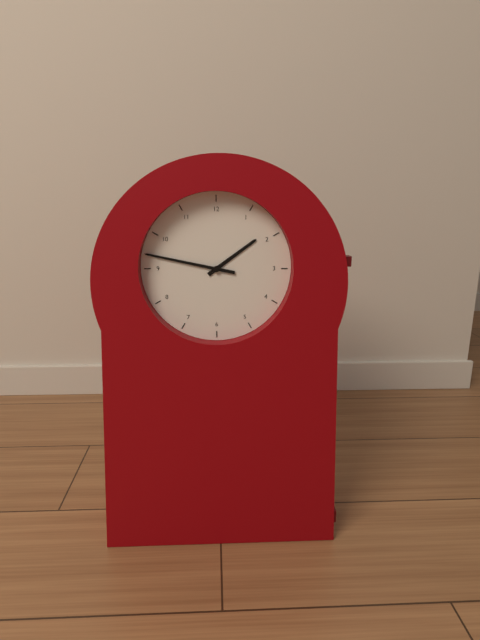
1:47
